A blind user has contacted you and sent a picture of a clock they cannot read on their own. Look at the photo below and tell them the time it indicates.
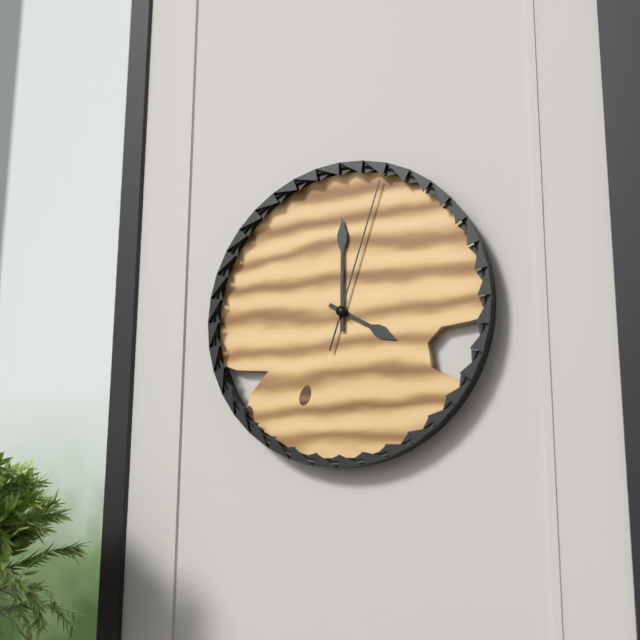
4:00:03
